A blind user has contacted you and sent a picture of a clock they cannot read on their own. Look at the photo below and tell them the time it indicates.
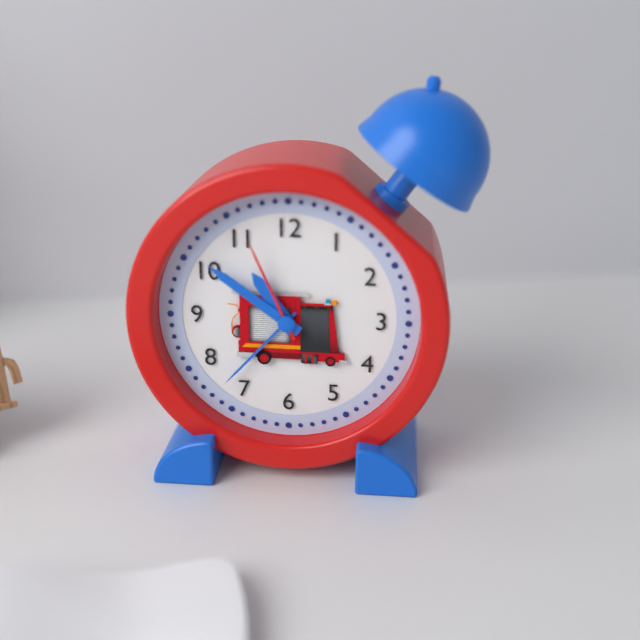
10:51:56
